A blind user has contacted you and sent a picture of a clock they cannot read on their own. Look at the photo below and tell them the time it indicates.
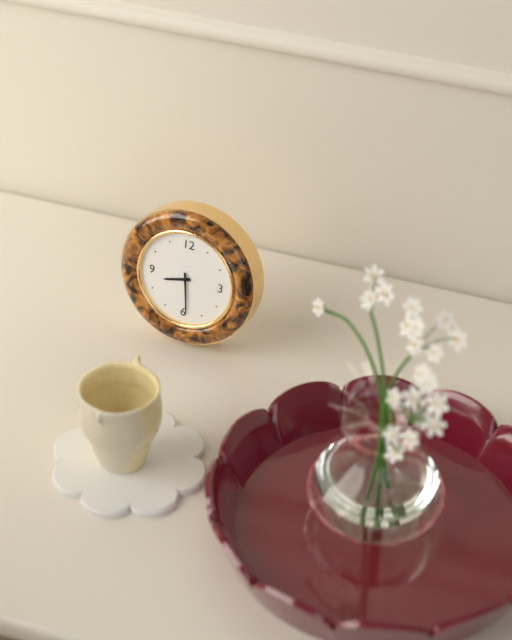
8:29
